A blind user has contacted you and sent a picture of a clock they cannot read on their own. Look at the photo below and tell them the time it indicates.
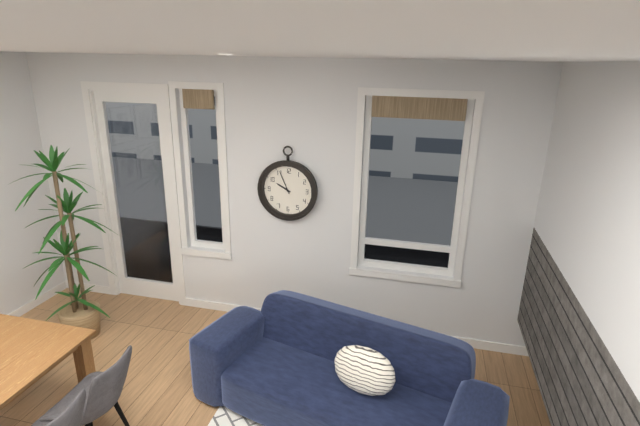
9:56
